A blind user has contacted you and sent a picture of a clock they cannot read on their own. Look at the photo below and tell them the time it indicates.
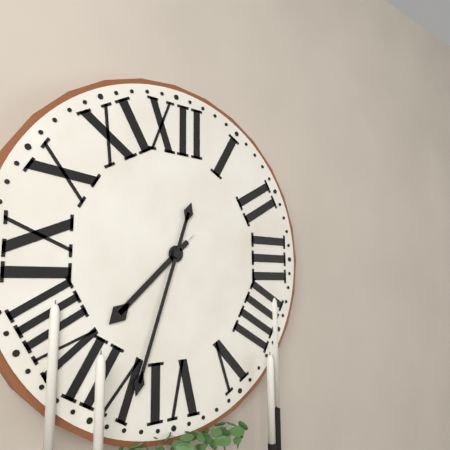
7:33
